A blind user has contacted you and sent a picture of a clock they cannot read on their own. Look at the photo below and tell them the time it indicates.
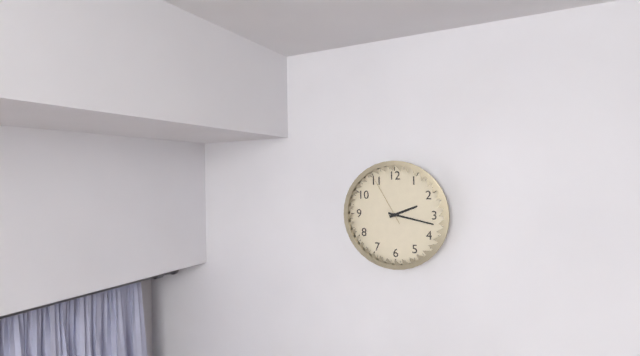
2:17:55
